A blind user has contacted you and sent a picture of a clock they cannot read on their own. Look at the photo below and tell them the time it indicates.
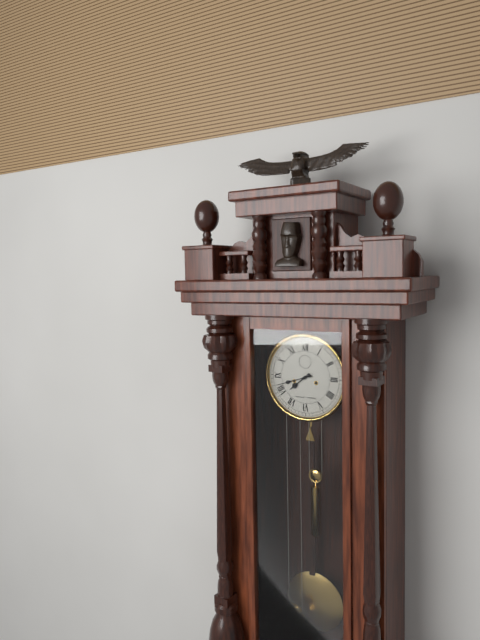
7:42
